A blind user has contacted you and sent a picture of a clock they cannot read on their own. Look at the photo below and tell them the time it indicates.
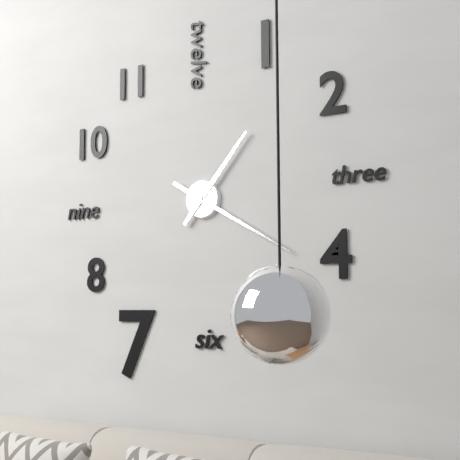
1:20
